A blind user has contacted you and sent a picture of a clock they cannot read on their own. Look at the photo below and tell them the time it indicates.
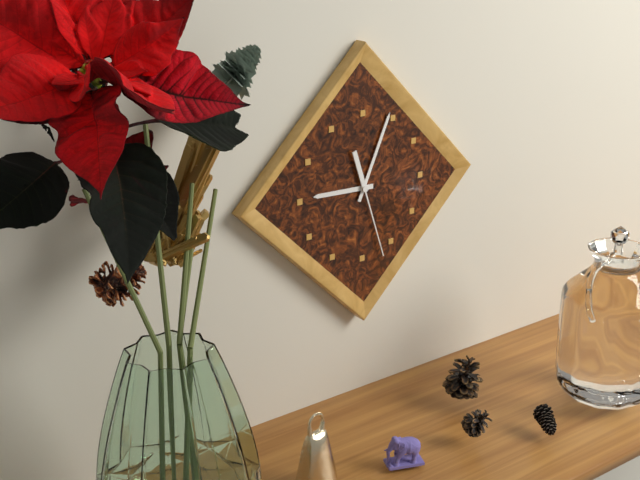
9:04:27
